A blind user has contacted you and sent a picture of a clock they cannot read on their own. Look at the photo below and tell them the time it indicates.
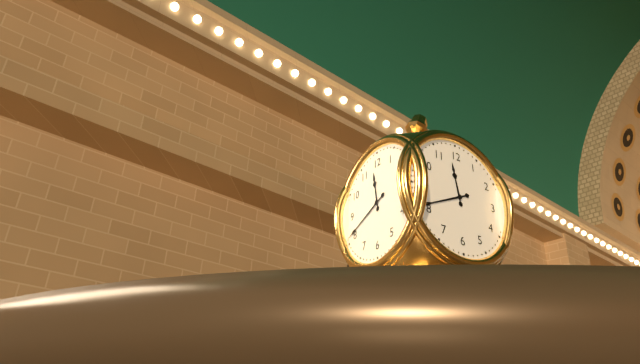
11:41
